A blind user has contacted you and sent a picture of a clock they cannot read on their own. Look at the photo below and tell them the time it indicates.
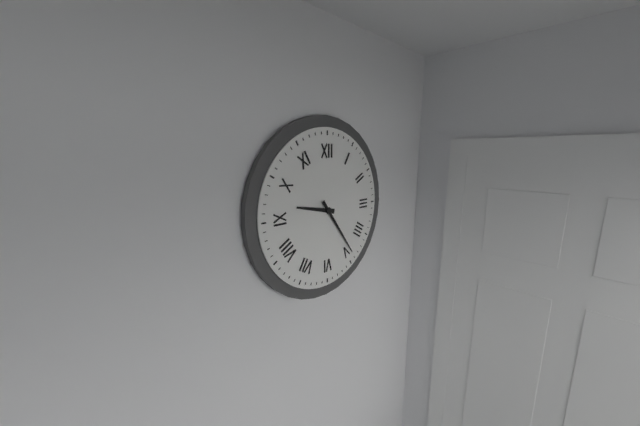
9:24
